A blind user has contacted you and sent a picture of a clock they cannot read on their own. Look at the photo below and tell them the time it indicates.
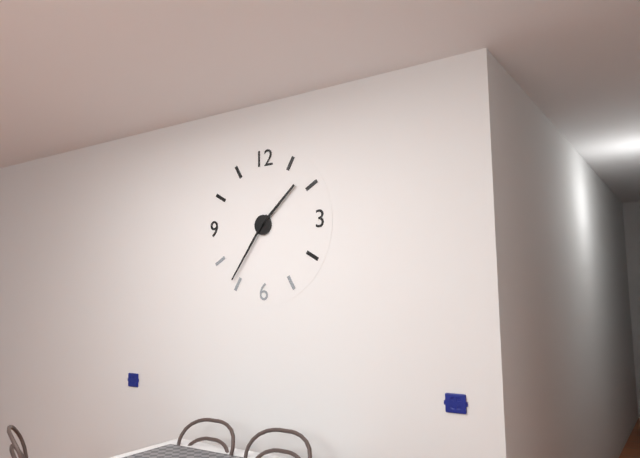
1:36
